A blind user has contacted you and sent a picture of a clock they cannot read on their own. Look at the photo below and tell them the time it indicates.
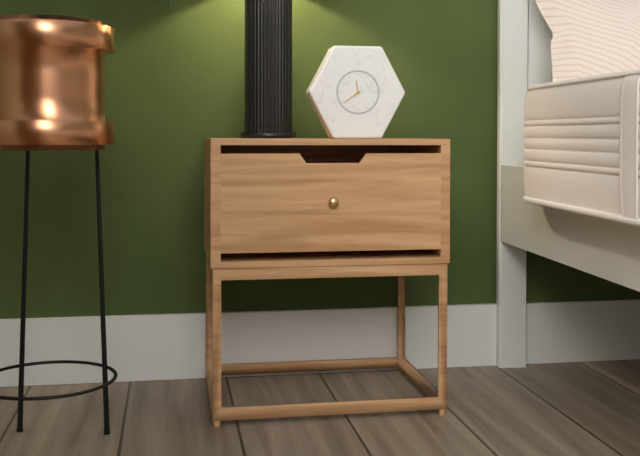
11:39
